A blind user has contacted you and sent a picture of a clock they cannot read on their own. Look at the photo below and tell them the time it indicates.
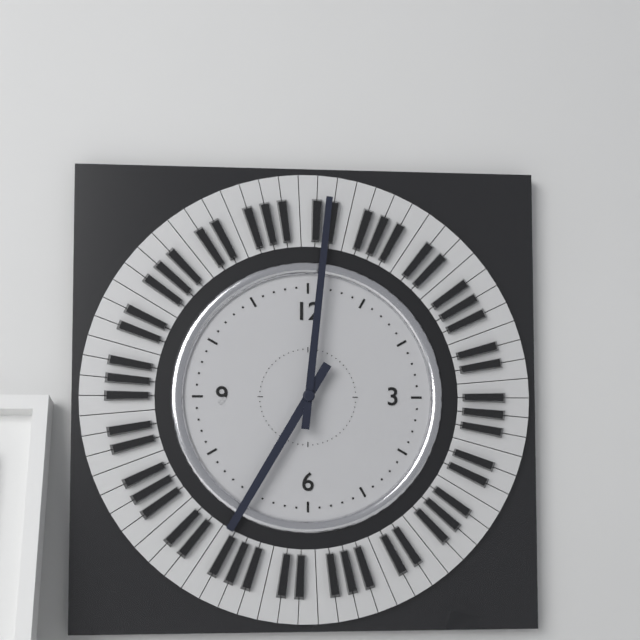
7:01
